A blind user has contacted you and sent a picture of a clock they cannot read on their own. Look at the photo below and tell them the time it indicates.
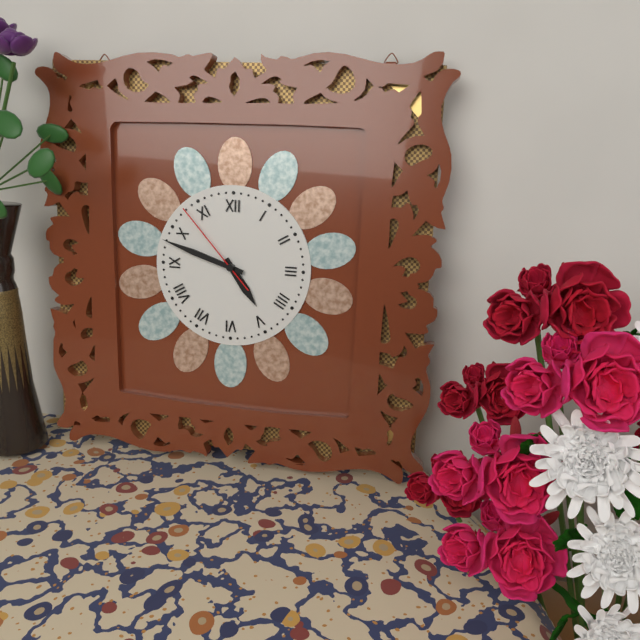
4:48:53
